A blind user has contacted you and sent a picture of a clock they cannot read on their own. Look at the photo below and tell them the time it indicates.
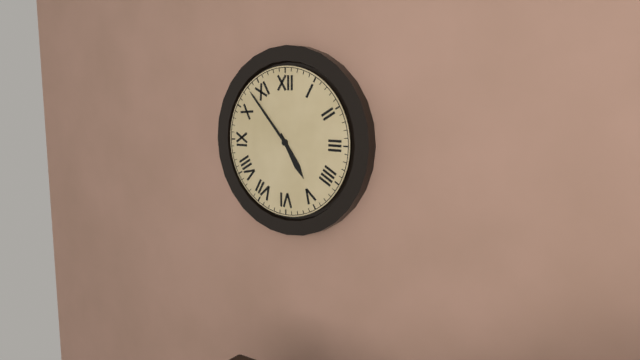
4:53
